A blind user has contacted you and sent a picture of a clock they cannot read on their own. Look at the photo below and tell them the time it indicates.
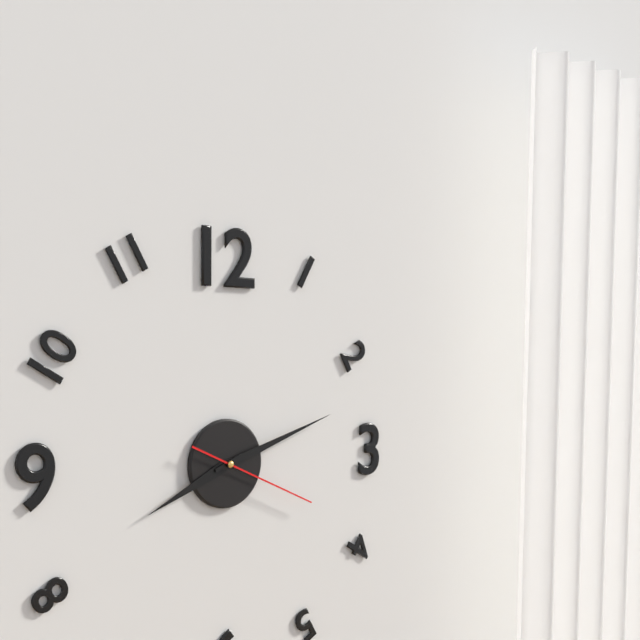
8:12:19
